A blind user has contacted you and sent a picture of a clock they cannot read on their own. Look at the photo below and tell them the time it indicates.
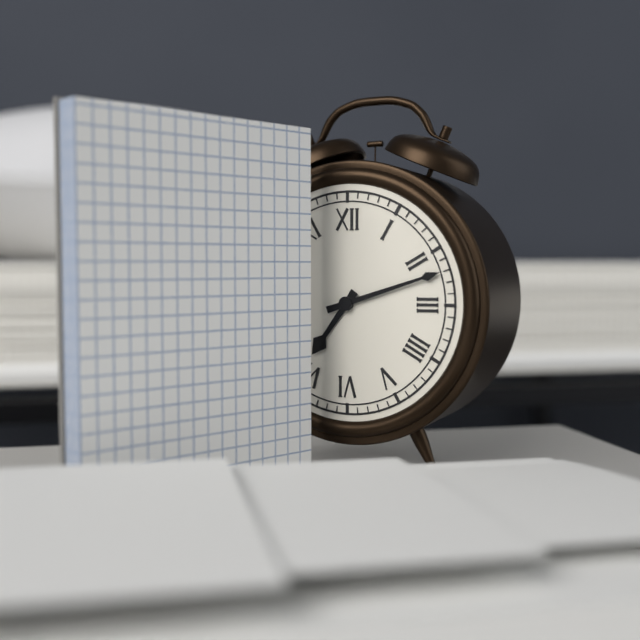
7:12
